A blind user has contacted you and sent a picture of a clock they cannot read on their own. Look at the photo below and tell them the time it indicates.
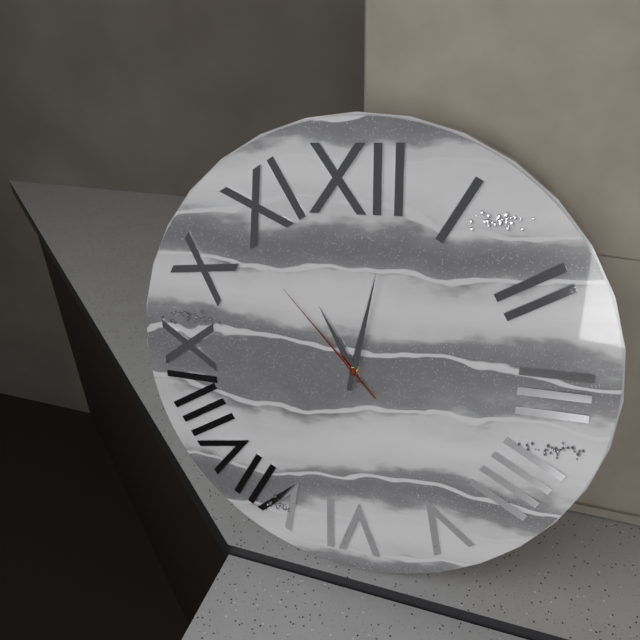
11:02:53
